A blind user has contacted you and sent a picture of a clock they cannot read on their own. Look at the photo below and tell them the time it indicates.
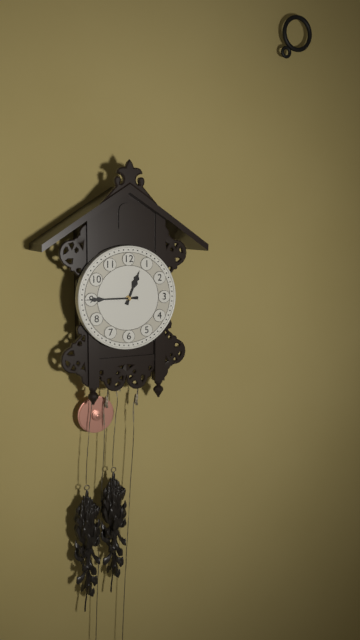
12:45
